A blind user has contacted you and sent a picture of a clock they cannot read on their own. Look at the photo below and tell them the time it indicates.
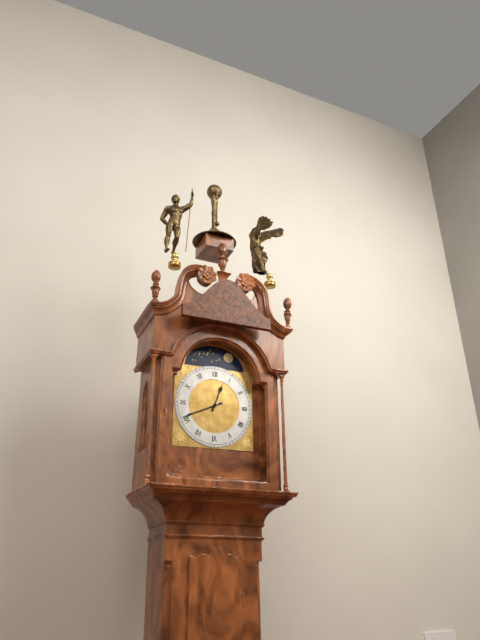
12:41
